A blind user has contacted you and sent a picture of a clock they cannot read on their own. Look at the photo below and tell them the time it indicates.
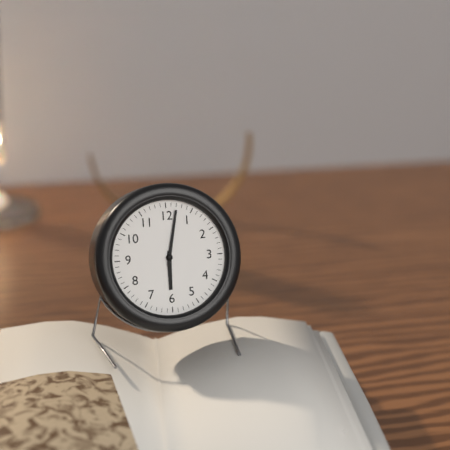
6:02
